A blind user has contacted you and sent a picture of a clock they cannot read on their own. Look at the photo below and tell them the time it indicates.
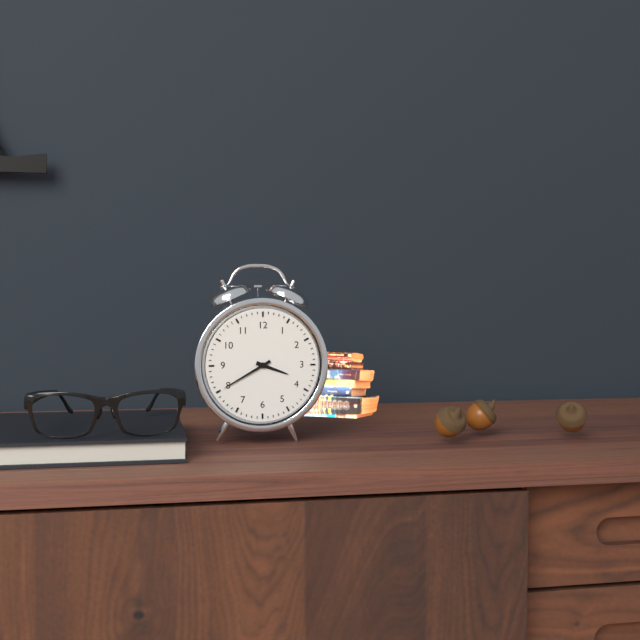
3:40
